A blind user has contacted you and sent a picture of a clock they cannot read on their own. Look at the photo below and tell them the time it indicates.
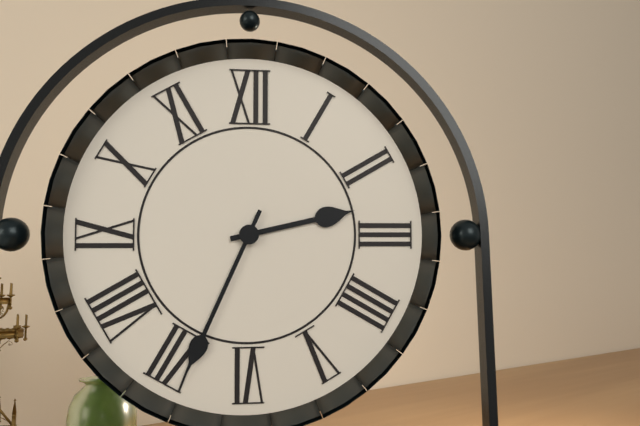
2:34
